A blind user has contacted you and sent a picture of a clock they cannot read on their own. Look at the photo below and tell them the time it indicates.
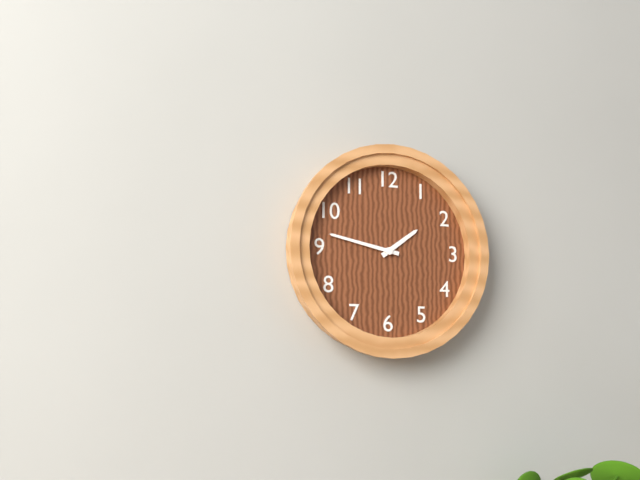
1:47
